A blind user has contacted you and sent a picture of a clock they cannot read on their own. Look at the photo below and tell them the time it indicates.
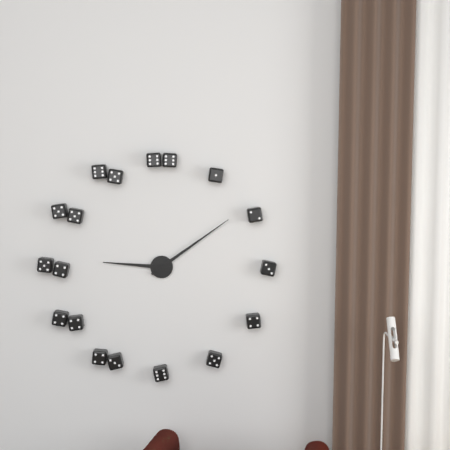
9:09
